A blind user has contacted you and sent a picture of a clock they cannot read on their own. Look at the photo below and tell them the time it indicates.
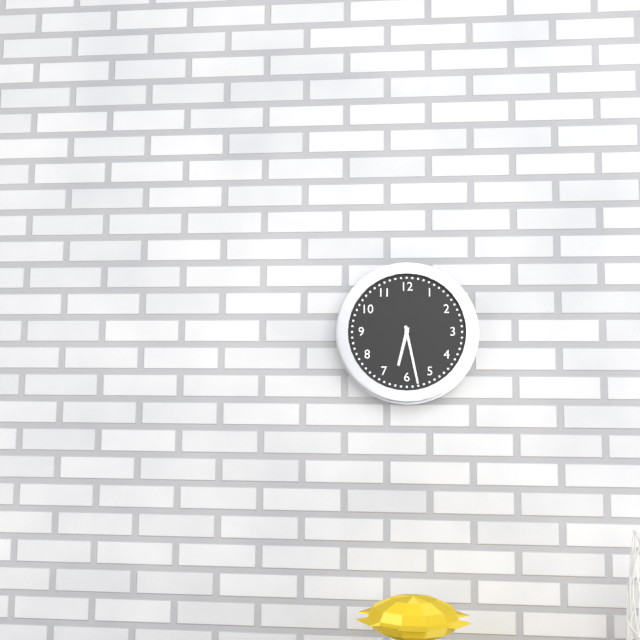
6:28
